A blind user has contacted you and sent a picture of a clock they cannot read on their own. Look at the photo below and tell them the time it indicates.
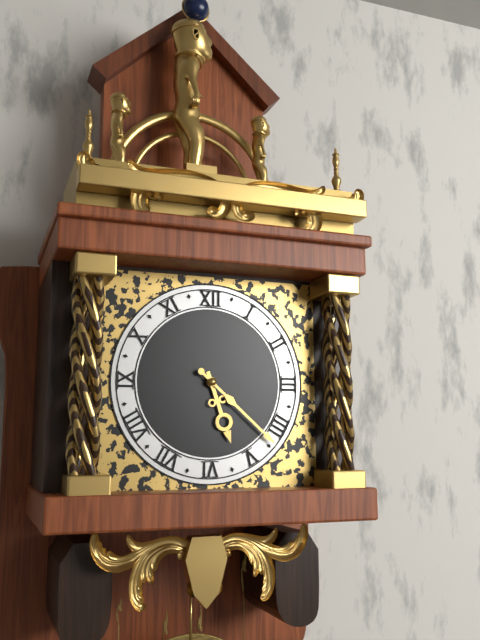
5:22
